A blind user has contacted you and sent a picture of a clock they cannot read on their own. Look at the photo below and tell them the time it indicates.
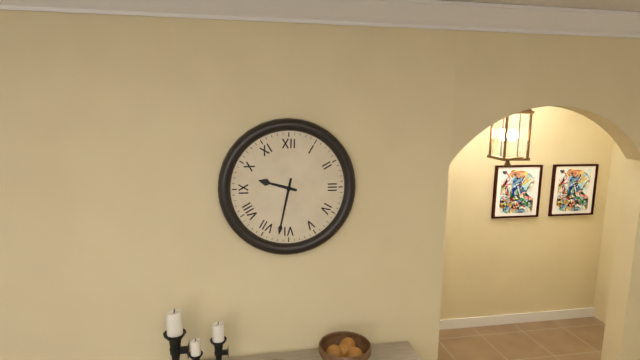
9:32
